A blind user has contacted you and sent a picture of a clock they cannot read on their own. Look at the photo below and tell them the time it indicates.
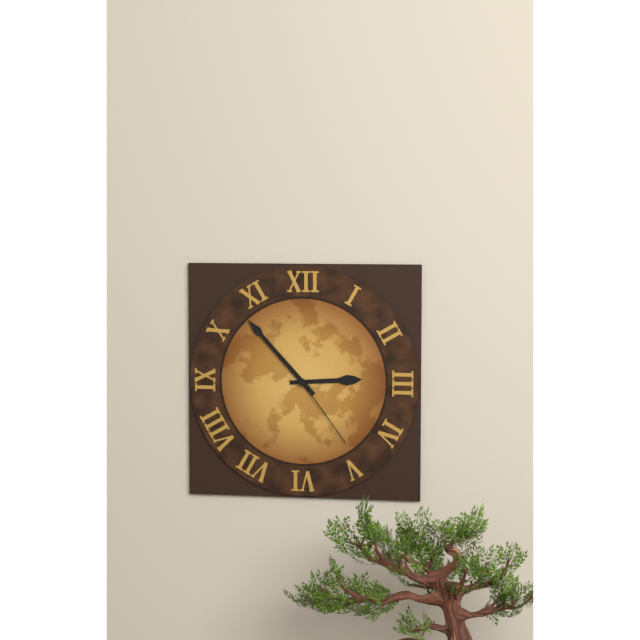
2:53:24
